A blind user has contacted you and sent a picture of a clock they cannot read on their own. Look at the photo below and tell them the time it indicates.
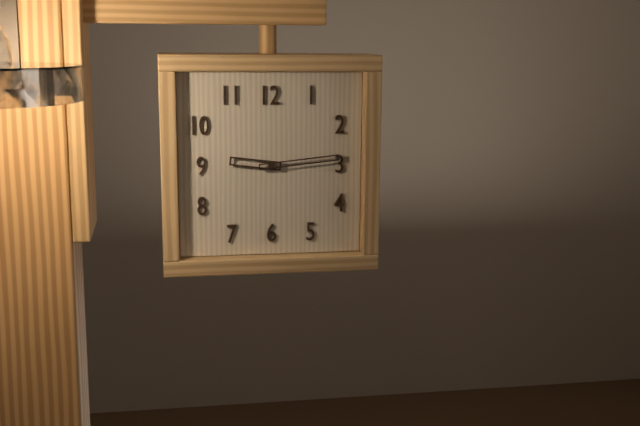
9:14
